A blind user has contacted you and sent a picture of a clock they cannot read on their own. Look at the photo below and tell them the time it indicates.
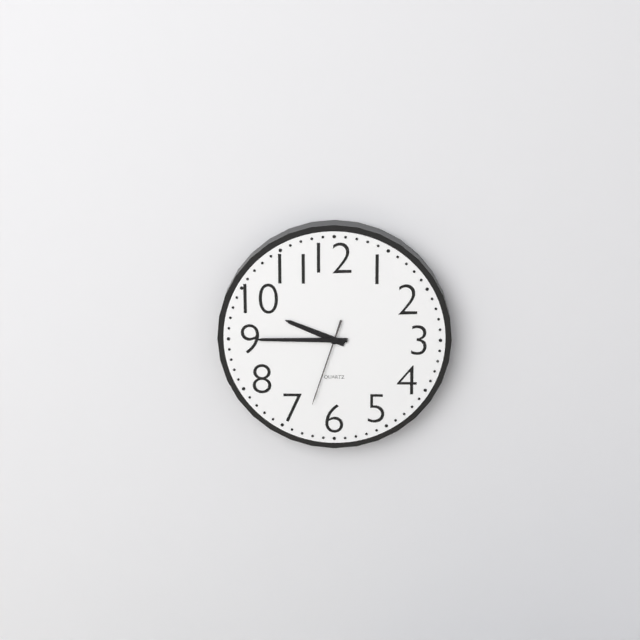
9:45:33
